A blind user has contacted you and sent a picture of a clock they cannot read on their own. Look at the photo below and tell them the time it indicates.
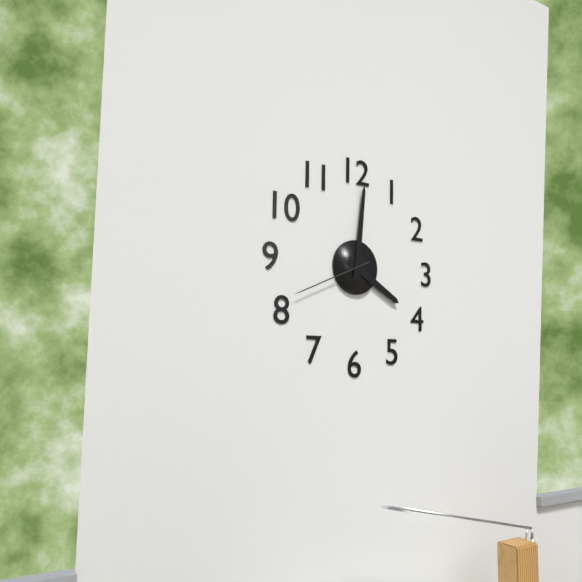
4:01:41
